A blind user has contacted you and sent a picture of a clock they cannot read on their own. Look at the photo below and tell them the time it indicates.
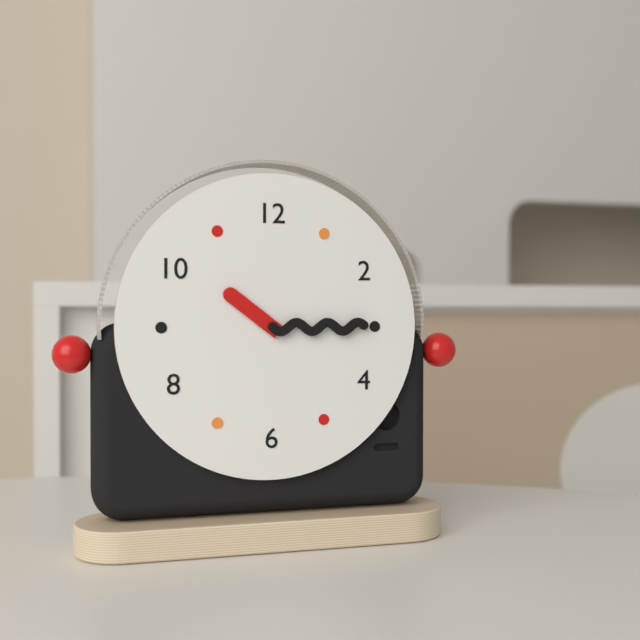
10:15
